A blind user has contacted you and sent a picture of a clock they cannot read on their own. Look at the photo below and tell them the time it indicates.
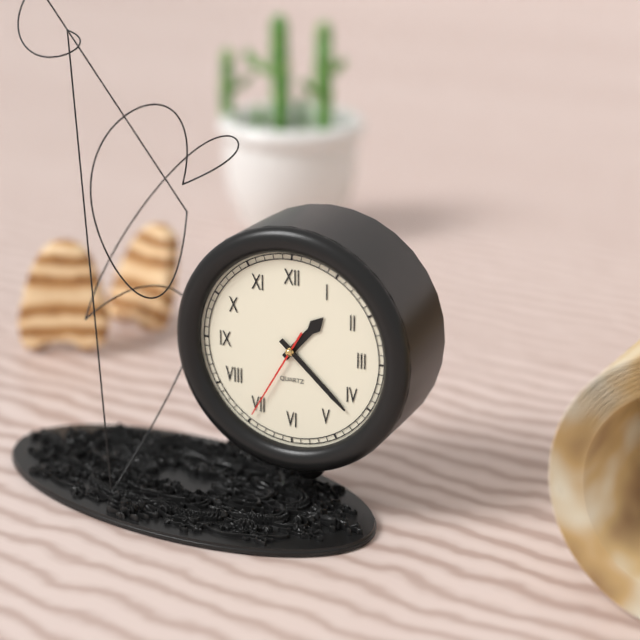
1:22:35
